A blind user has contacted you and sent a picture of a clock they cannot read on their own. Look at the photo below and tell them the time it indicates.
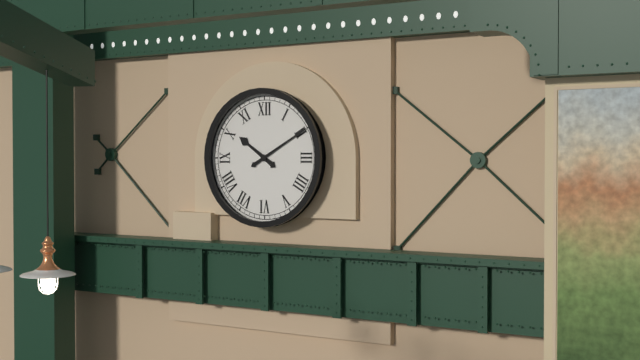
10:10
